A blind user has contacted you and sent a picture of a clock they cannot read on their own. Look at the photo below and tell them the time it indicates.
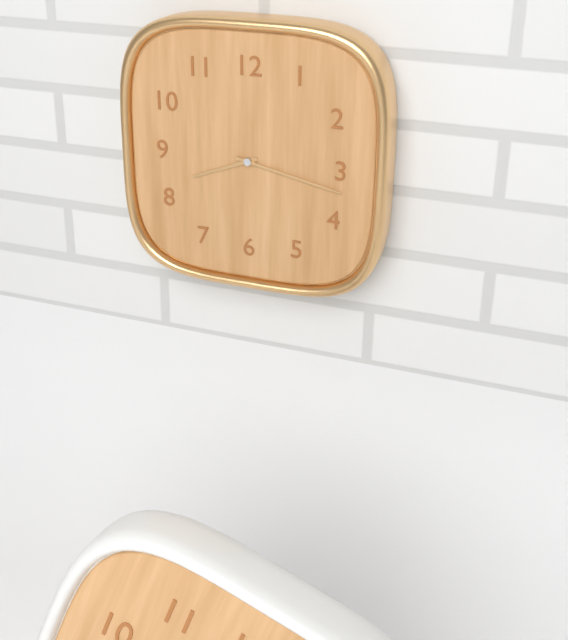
8:17
